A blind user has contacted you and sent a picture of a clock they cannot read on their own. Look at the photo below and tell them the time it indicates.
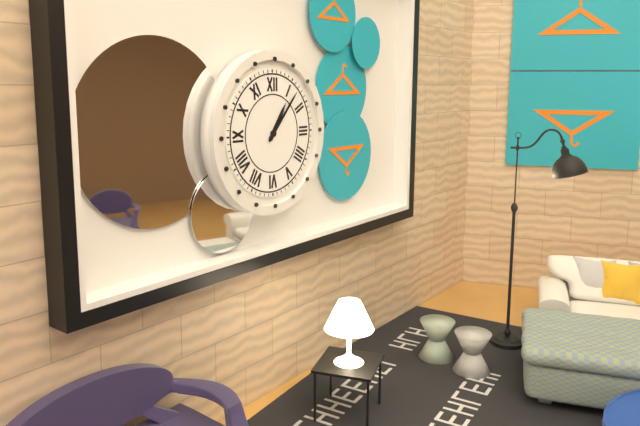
1:07
